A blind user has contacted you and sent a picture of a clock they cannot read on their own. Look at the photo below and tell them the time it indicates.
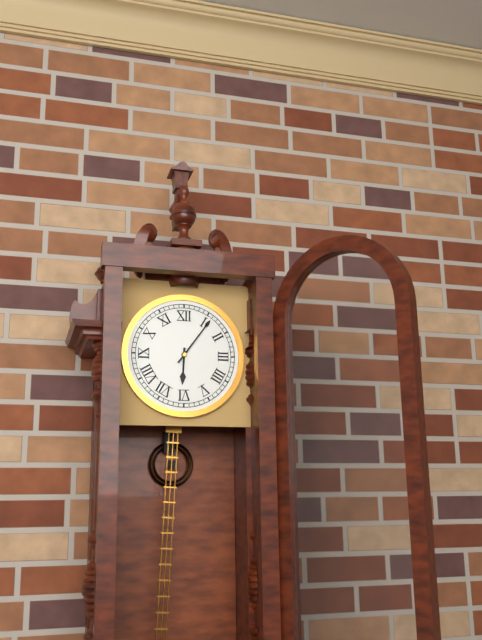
6:06
